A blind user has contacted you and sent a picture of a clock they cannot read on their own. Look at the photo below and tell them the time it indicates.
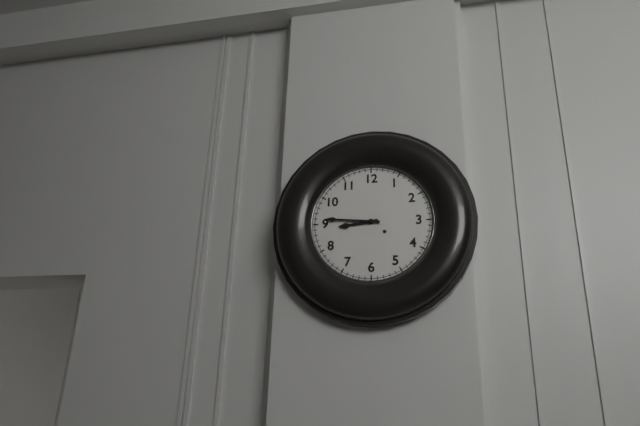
8:46
